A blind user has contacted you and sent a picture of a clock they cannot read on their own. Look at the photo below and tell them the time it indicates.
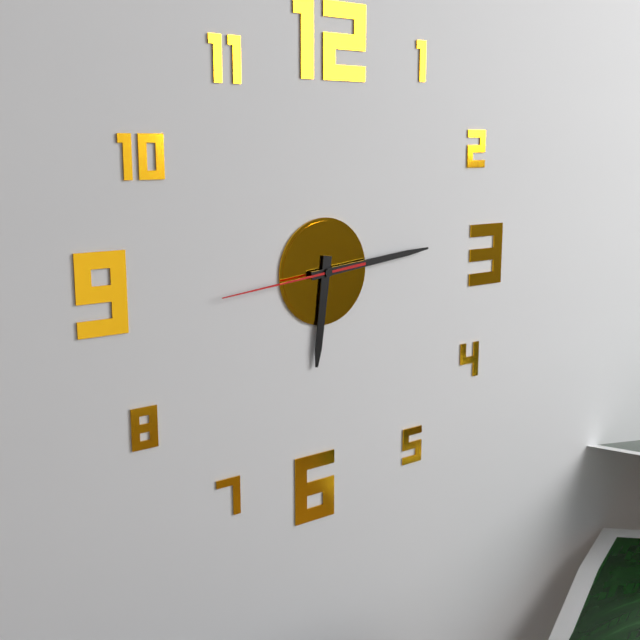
6:14:44
